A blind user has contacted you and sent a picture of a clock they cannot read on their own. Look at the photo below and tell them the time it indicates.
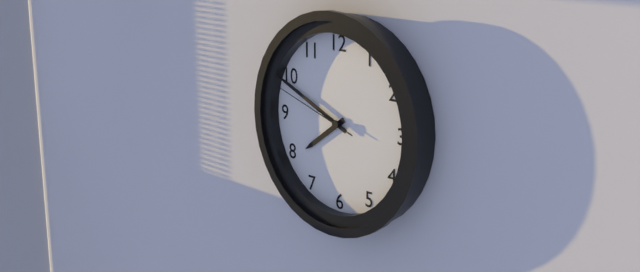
7:49:48
